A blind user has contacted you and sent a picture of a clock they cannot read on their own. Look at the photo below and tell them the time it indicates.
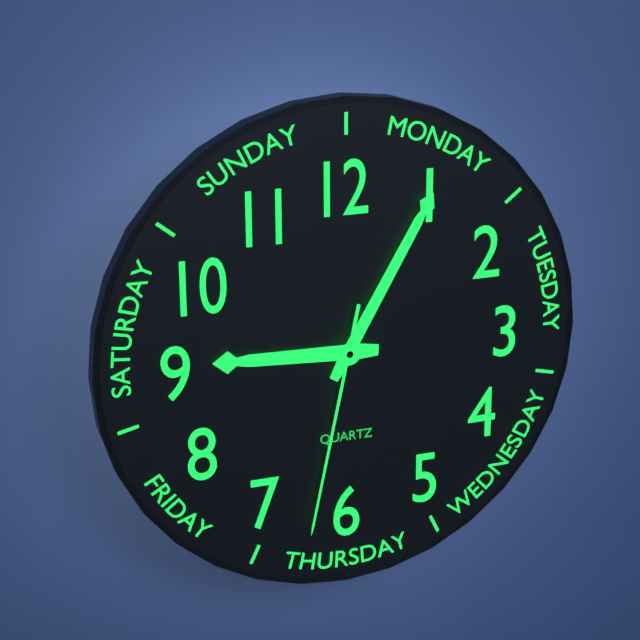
9:05:32
